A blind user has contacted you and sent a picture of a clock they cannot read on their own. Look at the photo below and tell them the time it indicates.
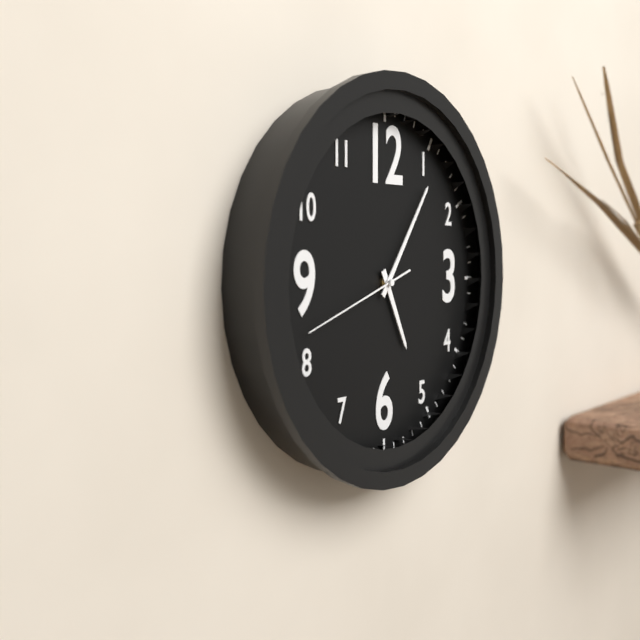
5:06:42
